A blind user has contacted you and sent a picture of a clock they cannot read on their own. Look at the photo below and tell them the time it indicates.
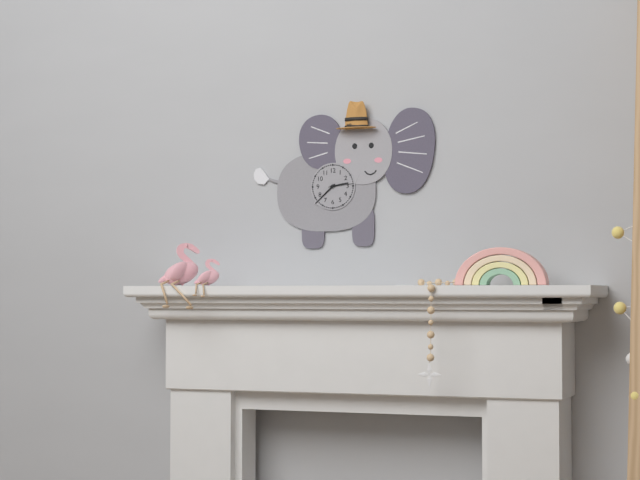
2:38
